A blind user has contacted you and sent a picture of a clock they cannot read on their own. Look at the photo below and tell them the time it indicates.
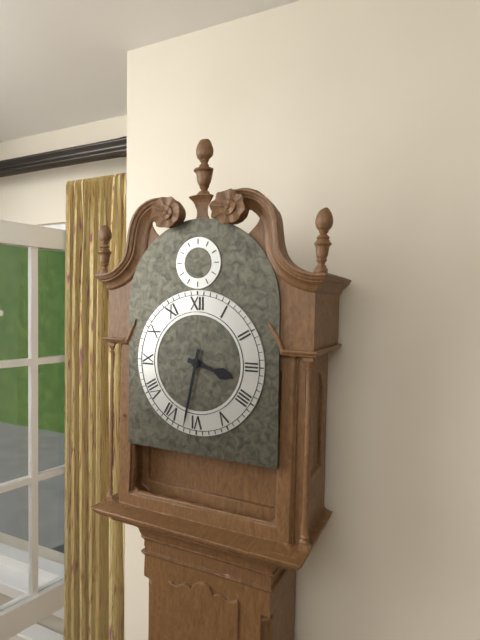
3:32
